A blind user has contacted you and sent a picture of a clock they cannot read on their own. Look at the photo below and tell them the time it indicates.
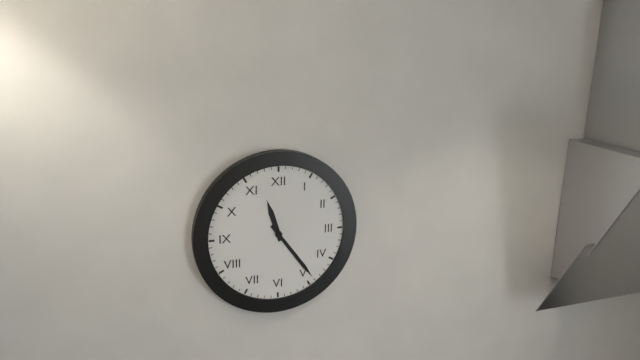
11:24
